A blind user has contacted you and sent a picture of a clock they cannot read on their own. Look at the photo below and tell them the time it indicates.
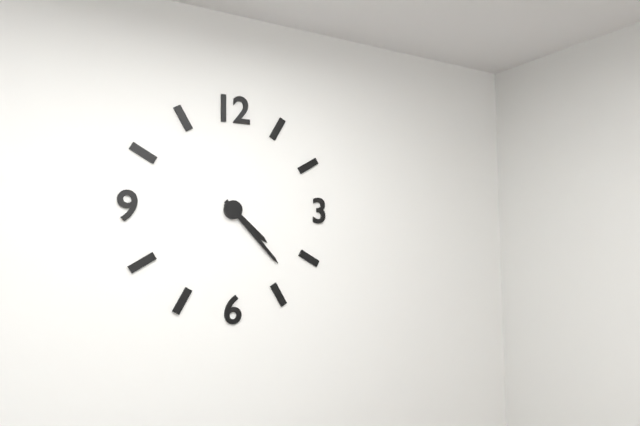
4:23
